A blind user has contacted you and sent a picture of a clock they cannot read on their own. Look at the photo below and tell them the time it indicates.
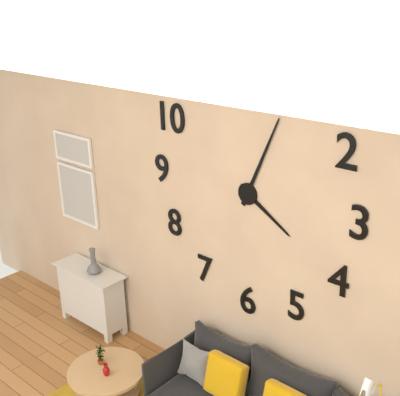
4:04
